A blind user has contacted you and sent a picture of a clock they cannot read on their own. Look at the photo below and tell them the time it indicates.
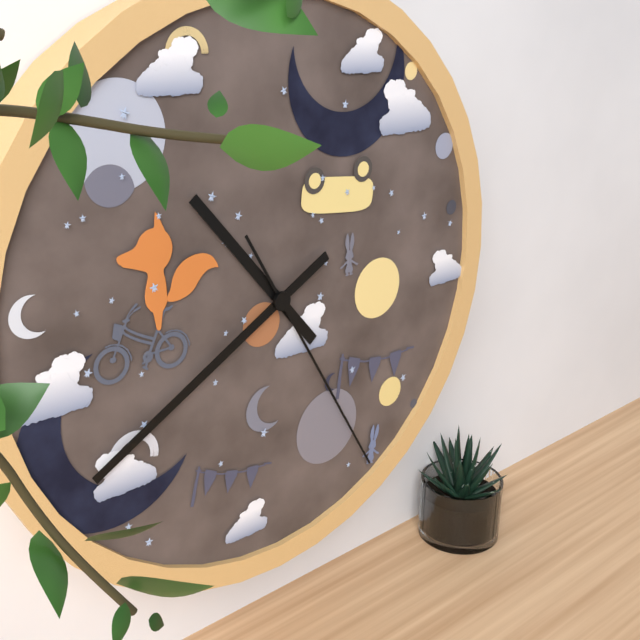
10:40:25
